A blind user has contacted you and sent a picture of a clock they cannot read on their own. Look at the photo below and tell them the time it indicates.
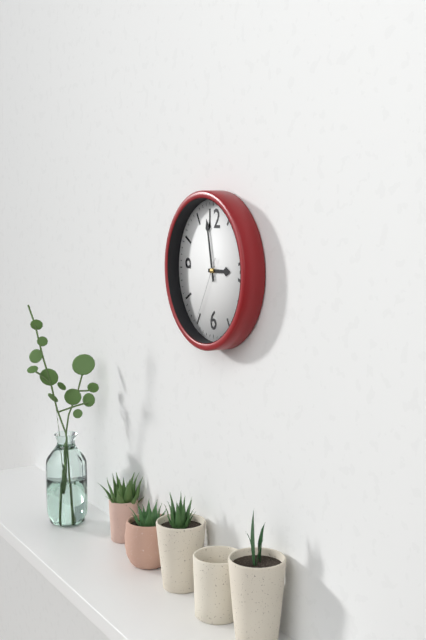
2:58:35
